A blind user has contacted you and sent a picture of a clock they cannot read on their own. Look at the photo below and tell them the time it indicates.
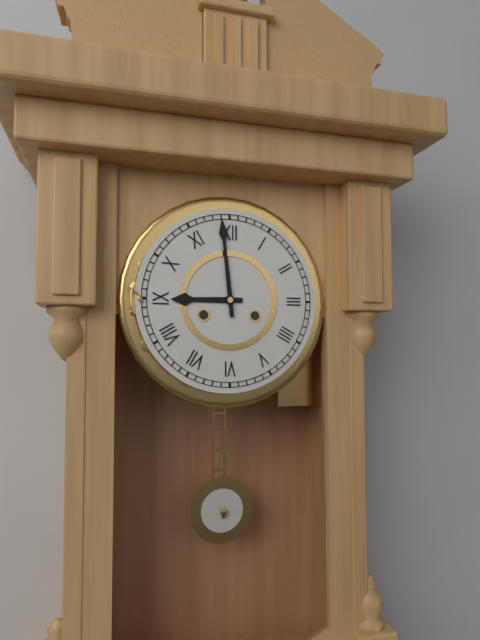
8:59
